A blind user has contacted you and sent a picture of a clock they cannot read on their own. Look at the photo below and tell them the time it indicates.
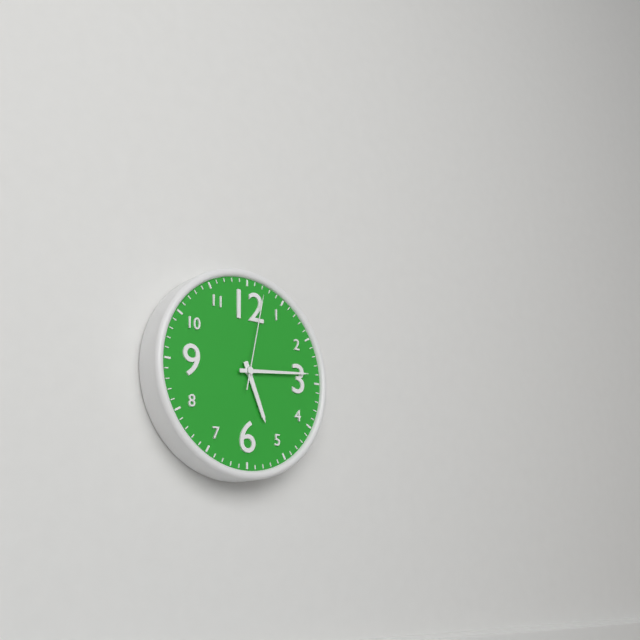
5:14:02
